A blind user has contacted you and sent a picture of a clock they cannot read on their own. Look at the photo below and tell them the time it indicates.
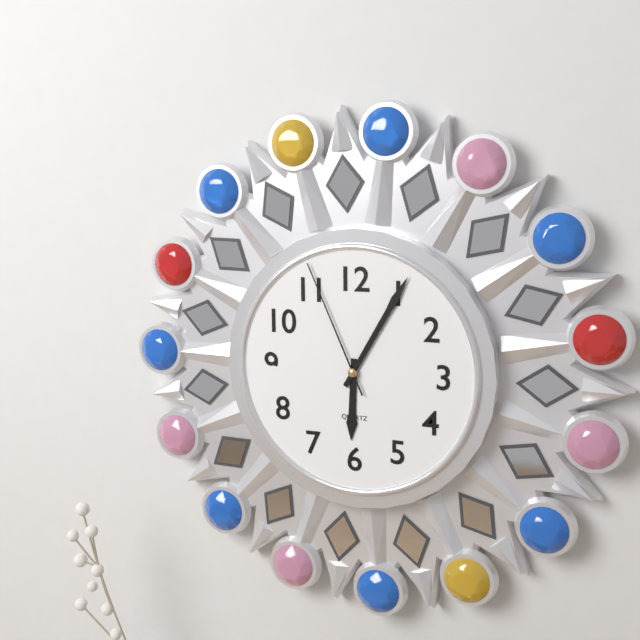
6:05:56
